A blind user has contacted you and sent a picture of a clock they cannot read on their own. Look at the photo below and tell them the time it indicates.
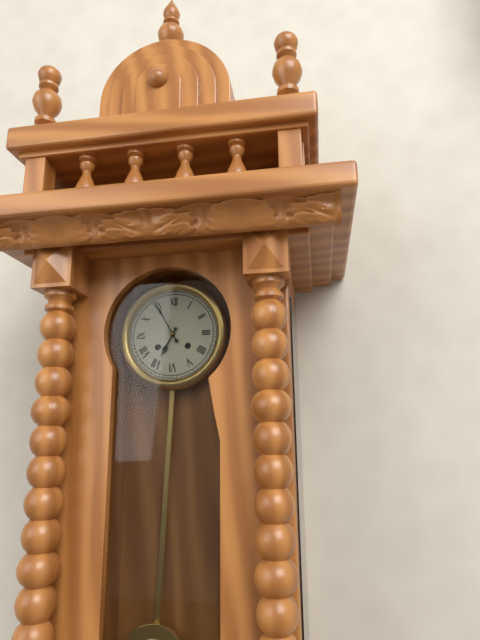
6:55
